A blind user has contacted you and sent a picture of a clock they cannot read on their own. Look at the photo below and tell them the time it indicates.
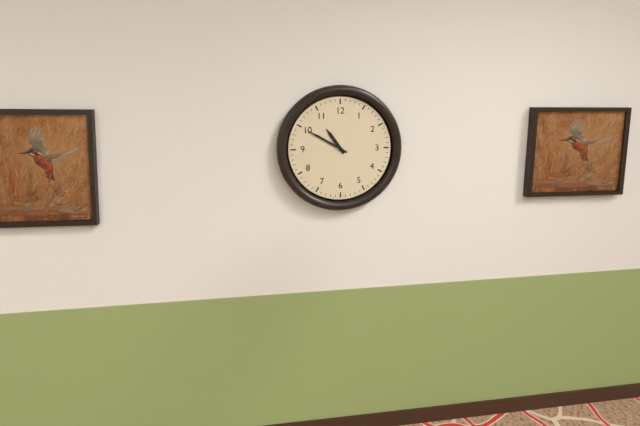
10:50
